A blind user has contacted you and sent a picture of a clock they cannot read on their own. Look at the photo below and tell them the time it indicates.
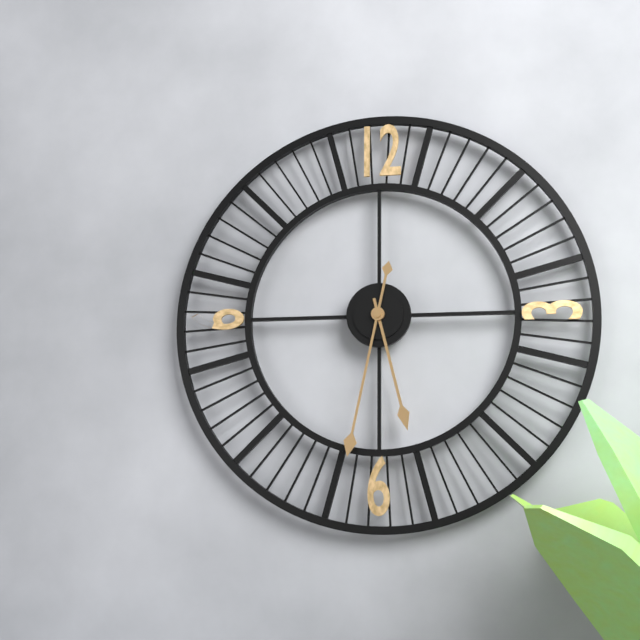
5:32
